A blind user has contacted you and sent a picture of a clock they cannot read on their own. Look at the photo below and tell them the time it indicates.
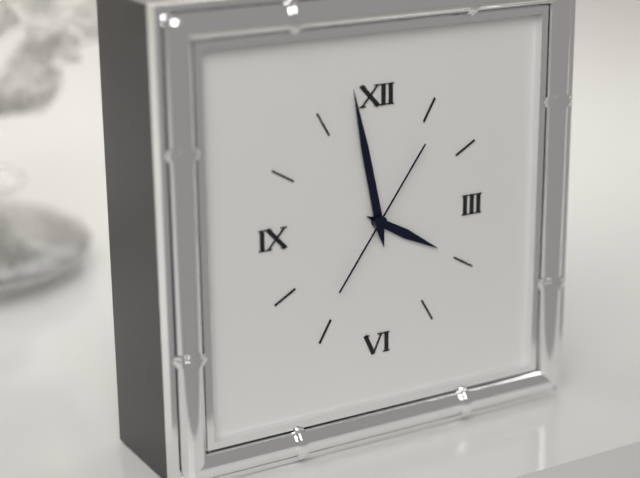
3:58:06
